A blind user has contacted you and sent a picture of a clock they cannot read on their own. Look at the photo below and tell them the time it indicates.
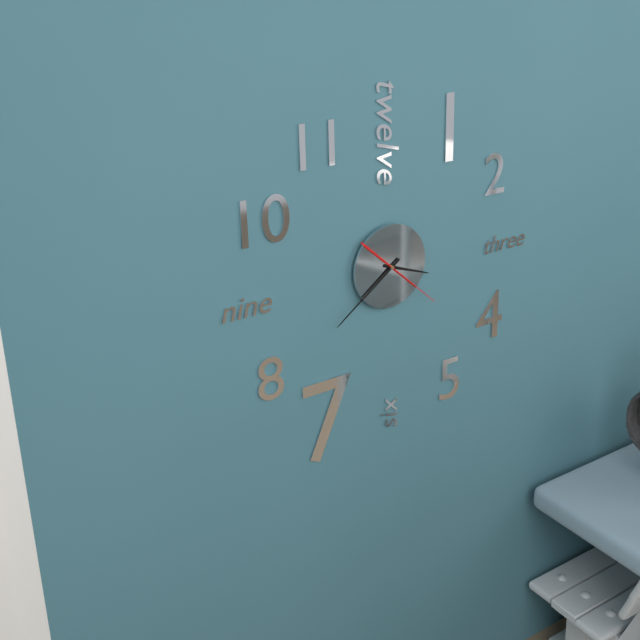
3:39:22
